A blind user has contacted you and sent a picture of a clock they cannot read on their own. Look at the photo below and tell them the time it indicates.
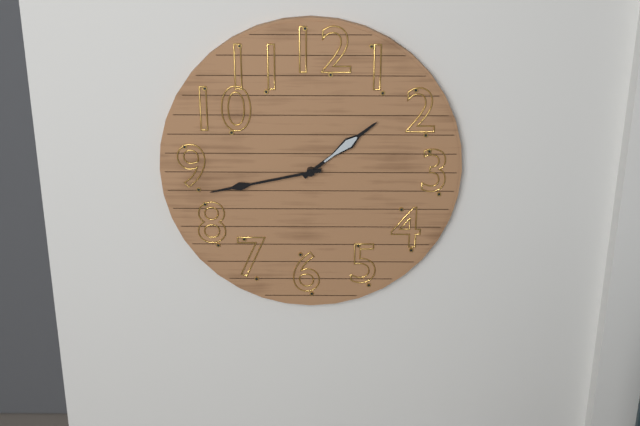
1:43
